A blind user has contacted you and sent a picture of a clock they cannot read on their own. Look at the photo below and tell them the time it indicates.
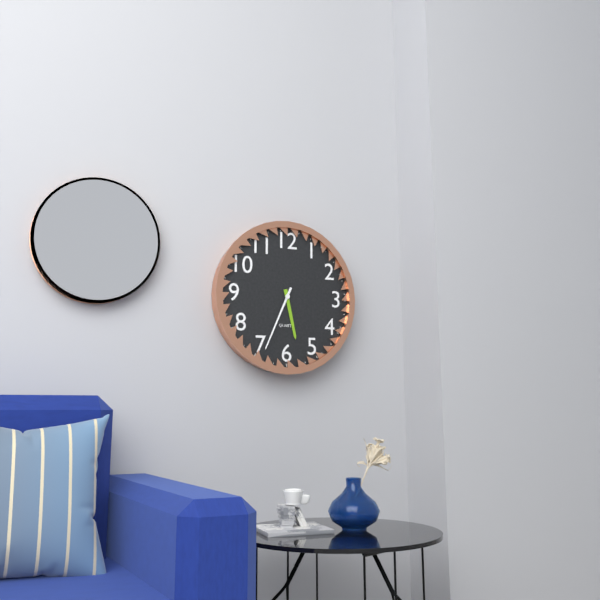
5:34
